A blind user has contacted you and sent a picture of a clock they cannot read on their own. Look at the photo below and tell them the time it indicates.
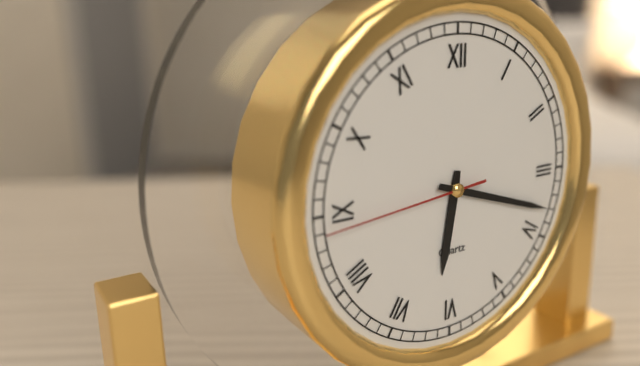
6:18:44
